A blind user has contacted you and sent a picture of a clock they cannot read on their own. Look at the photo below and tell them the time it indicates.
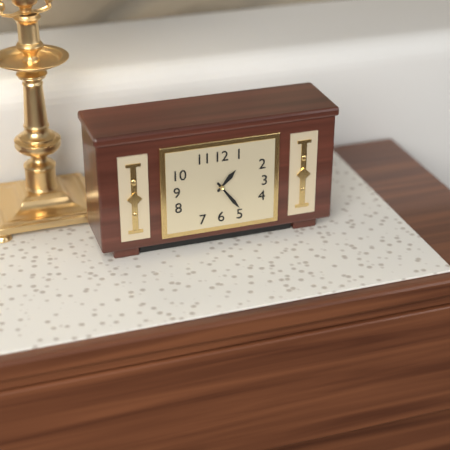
1:24
